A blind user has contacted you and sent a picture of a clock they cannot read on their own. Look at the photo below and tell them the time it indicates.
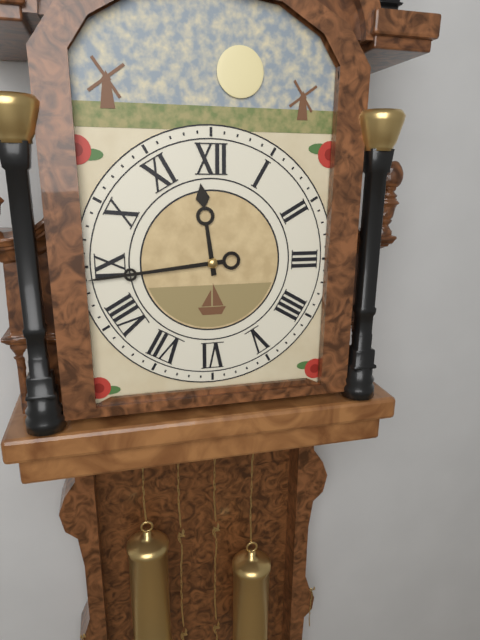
11:44
